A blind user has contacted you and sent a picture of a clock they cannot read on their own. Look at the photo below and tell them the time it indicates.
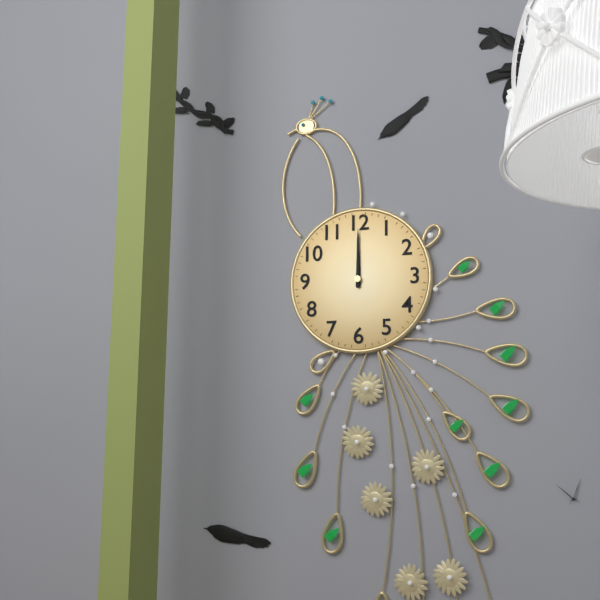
12:00
